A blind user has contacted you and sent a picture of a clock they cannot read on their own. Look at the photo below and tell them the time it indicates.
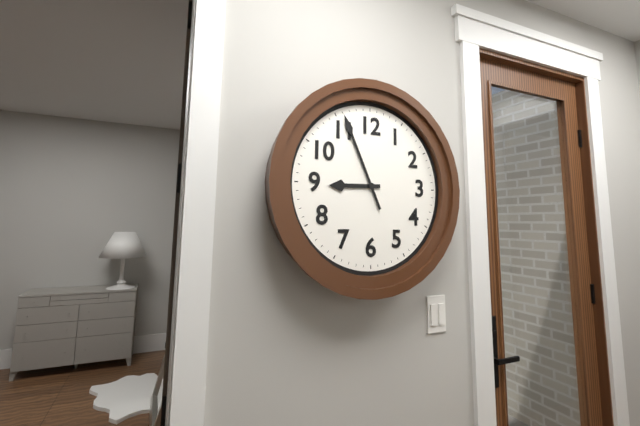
8:56
